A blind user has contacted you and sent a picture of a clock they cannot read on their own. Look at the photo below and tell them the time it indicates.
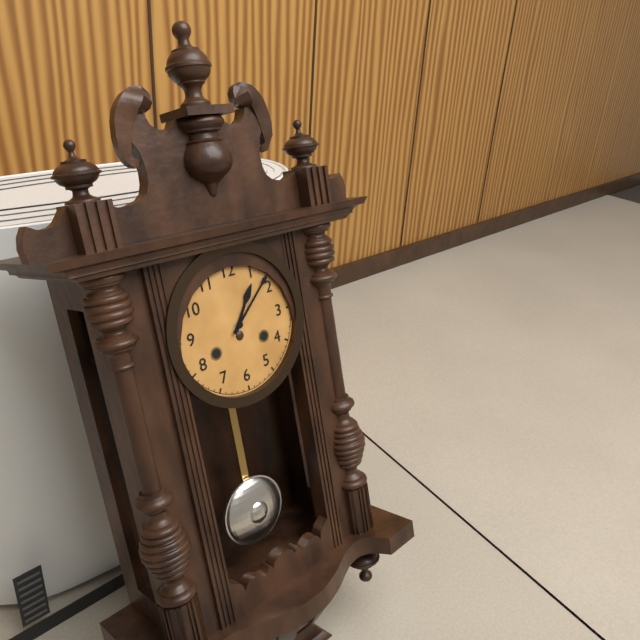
1:08
